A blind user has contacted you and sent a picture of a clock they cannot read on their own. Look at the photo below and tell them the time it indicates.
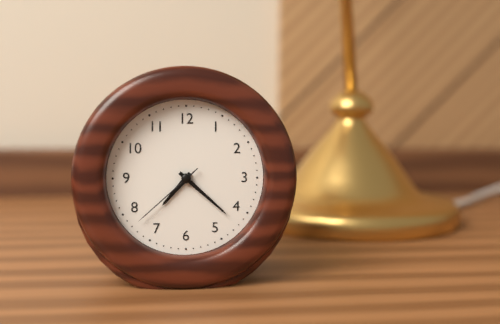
7:22:38
